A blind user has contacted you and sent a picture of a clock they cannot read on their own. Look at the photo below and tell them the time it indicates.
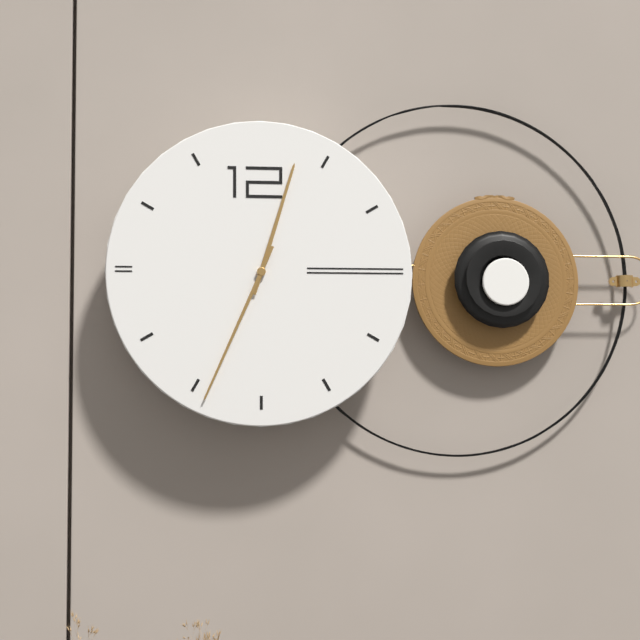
12:34
